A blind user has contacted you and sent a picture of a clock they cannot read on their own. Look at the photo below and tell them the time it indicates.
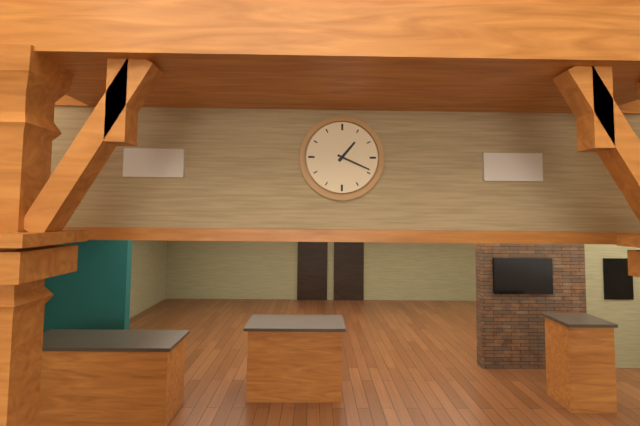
1:19
